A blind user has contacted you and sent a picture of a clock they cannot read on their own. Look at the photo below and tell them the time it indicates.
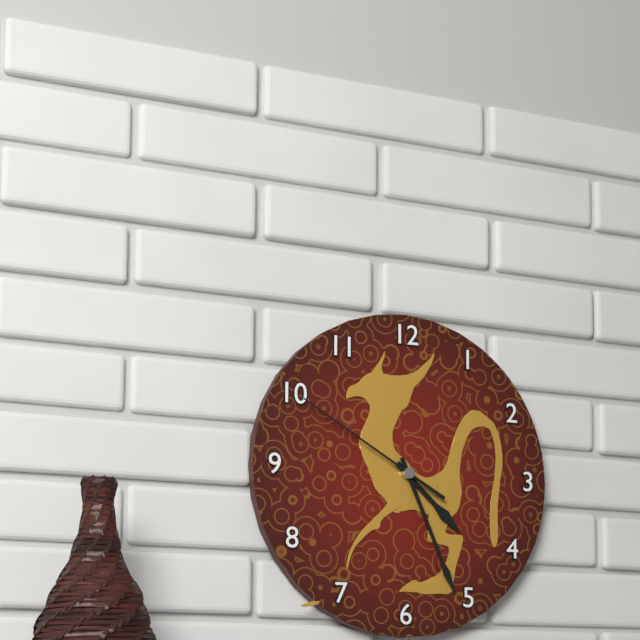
4:26:50
